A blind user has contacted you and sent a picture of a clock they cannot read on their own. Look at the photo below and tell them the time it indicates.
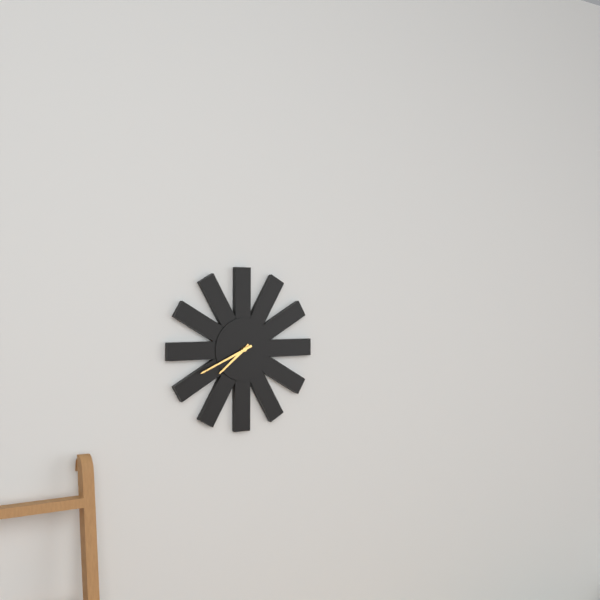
7:41
